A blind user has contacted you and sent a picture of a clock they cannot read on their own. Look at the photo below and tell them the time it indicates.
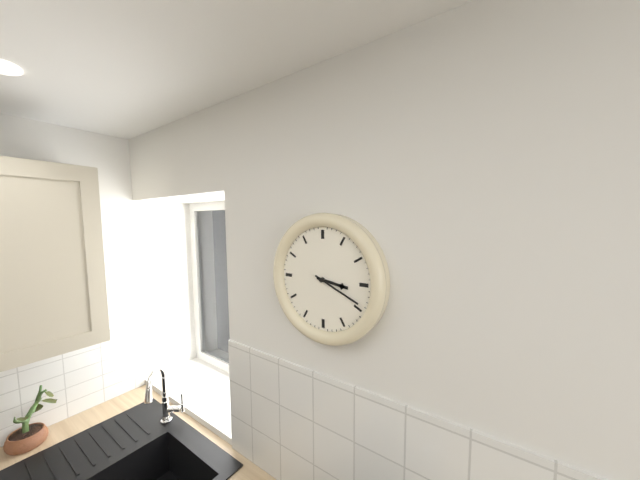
3:19
